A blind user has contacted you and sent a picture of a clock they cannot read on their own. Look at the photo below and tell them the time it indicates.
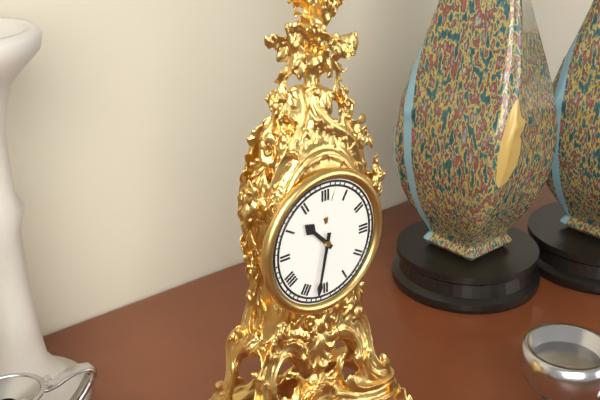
10:32
